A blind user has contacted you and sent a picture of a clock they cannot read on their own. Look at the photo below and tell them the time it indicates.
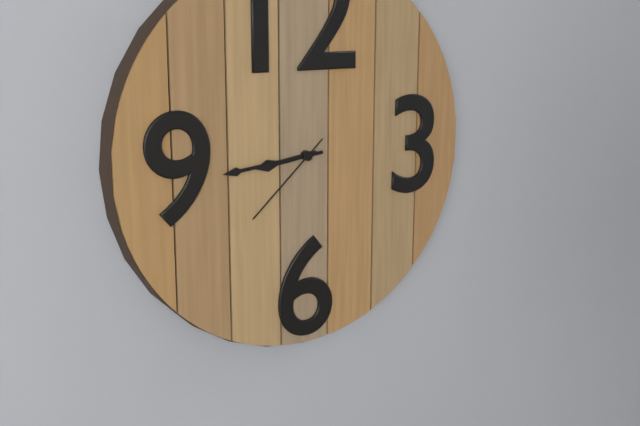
8:44:38
